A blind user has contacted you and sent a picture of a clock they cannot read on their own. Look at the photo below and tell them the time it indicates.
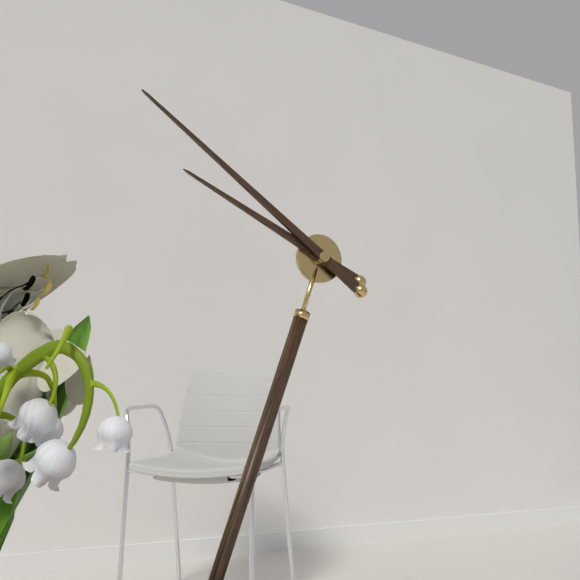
9:51
